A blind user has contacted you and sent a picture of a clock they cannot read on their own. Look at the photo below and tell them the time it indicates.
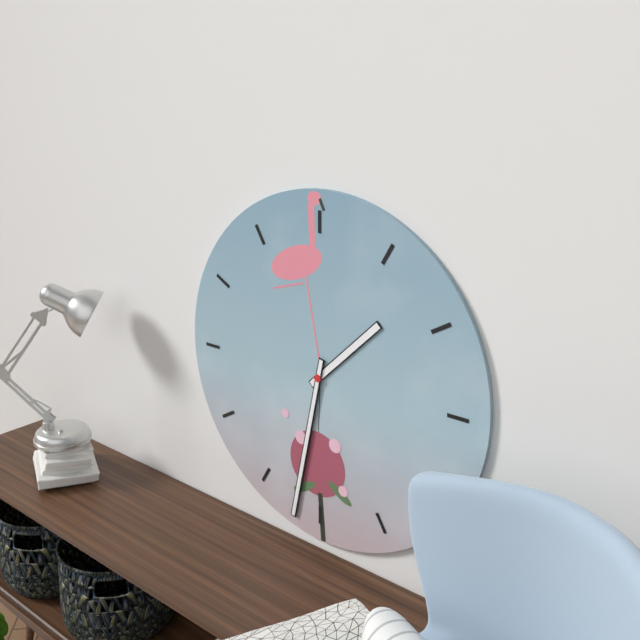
1:32
